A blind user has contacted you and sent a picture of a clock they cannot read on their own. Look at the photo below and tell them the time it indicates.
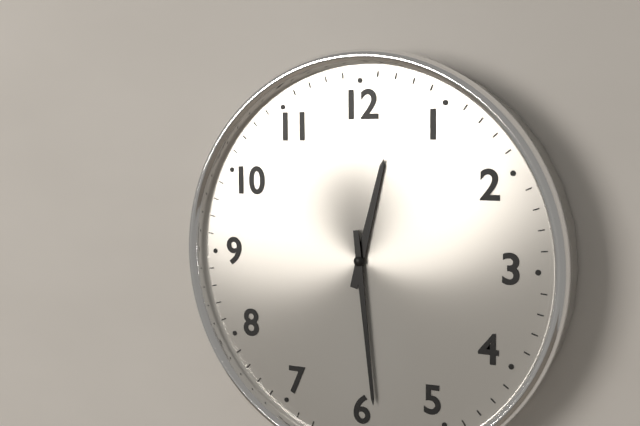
12:29
